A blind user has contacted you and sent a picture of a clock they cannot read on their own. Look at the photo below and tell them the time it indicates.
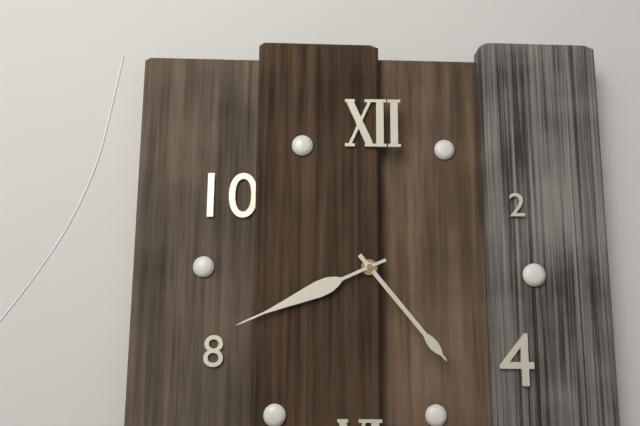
4:41
